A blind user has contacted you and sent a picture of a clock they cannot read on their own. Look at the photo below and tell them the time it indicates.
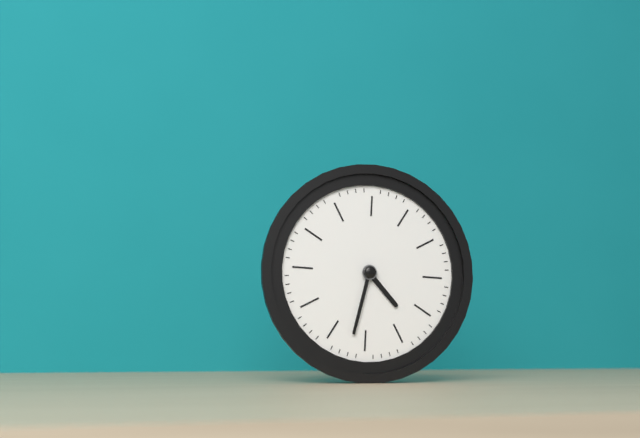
4:32
